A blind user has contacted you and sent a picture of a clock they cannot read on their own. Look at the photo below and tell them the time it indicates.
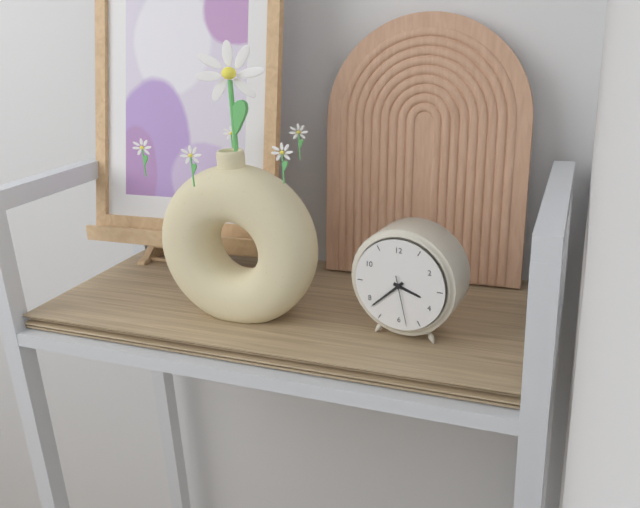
3:38:28
